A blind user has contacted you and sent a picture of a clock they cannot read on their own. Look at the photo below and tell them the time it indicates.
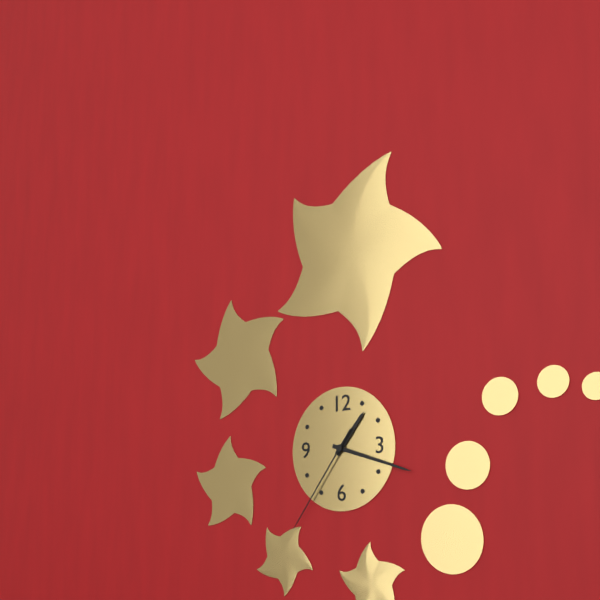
1:18:36
